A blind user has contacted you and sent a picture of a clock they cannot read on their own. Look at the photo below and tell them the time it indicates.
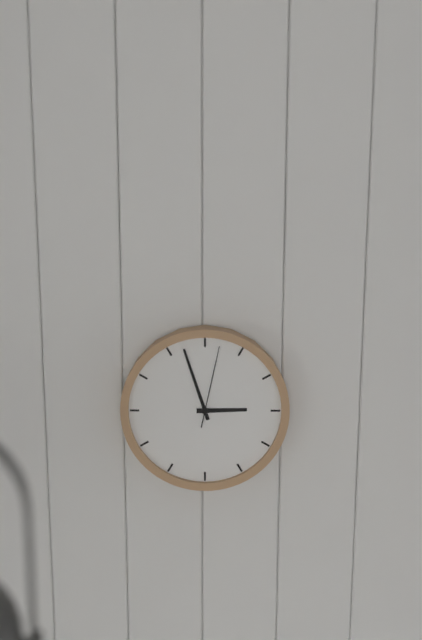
2:57:02
